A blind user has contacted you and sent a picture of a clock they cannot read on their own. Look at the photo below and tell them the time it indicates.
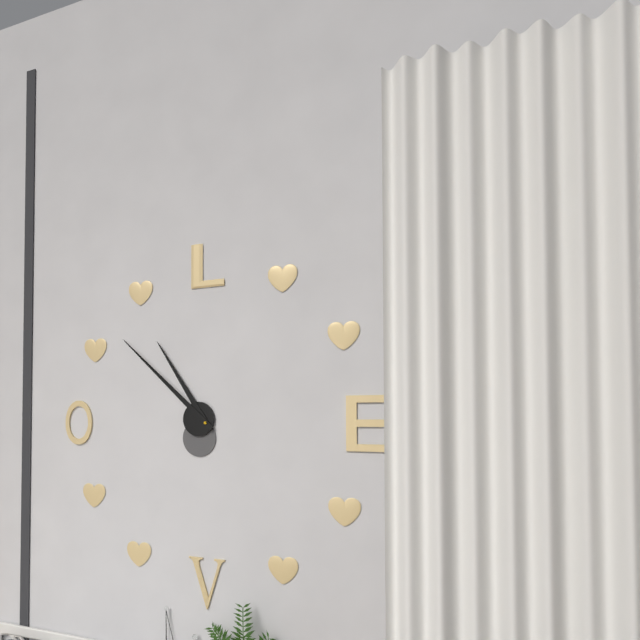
10:52
